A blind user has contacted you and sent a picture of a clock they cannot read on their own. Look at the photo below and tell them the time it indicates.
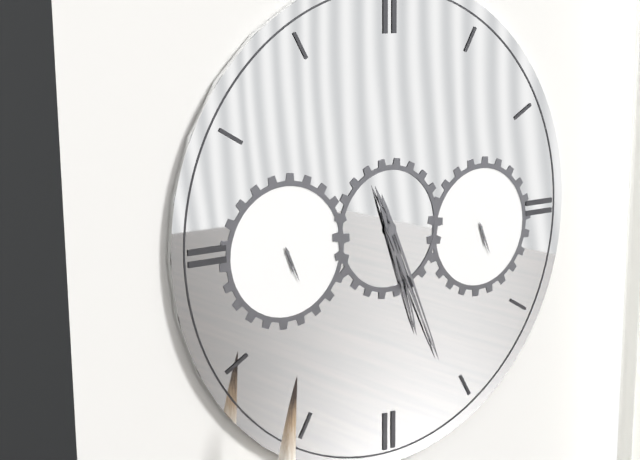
5:26
